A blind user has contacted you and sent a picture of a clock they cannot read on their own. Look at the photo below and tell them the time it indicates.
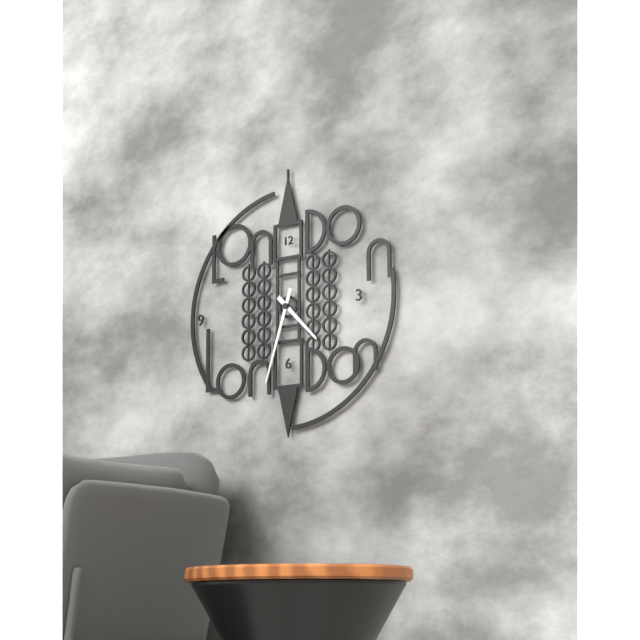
4:33
